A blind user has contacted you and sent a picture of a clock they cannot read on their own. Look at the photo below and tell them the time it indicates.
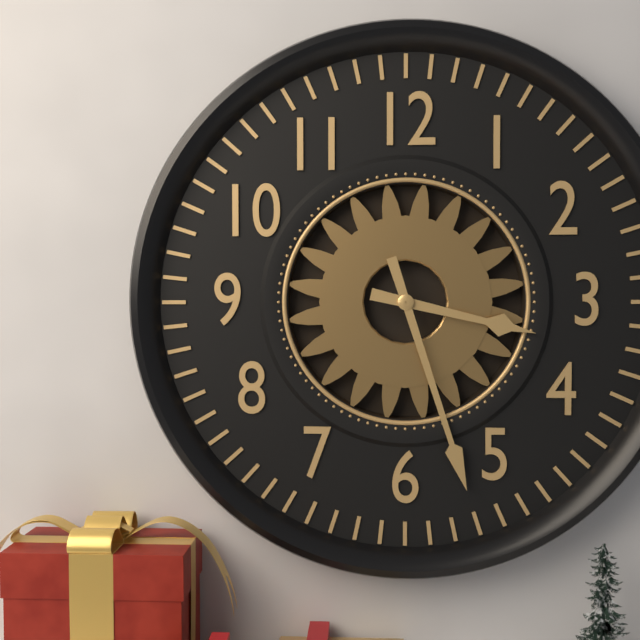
3:27
